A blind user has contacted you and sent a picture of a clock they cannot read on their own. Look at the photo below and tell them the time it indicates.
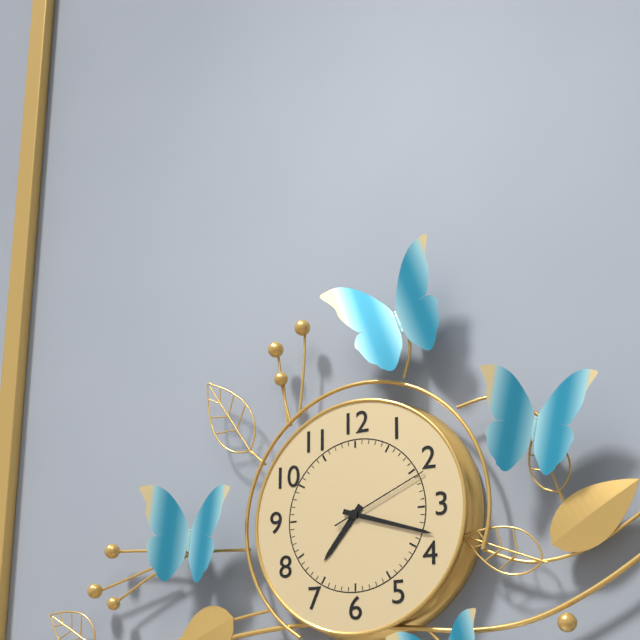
7:18:11
